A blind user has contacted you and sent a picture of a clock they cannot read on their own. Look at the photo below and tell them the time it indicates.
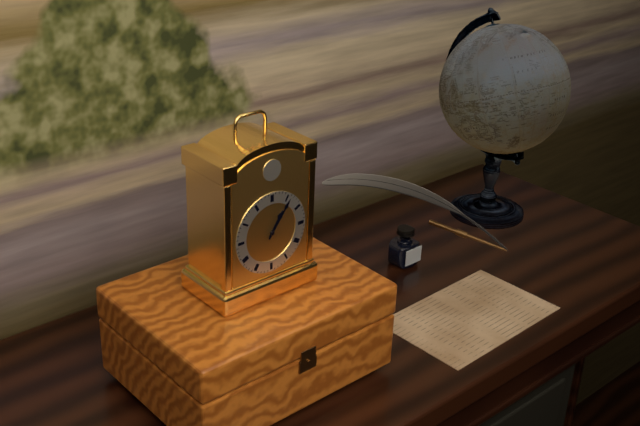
1:06
